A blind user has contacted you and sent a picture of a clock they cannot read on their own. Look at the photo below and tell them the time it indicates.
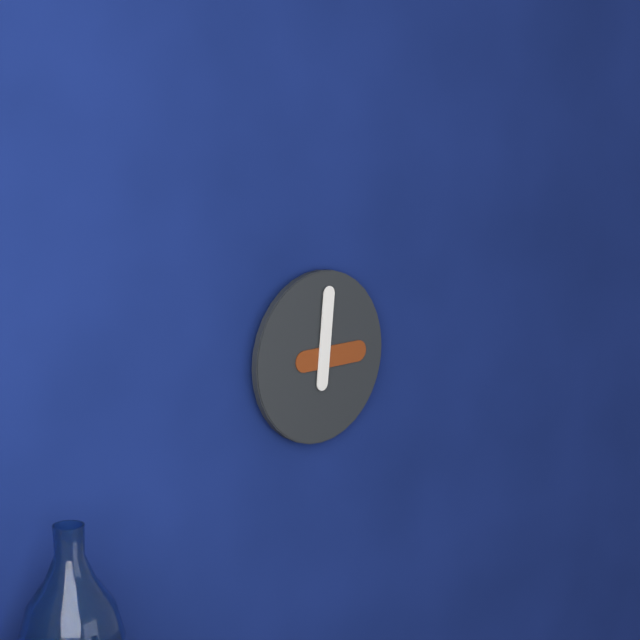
3:01
